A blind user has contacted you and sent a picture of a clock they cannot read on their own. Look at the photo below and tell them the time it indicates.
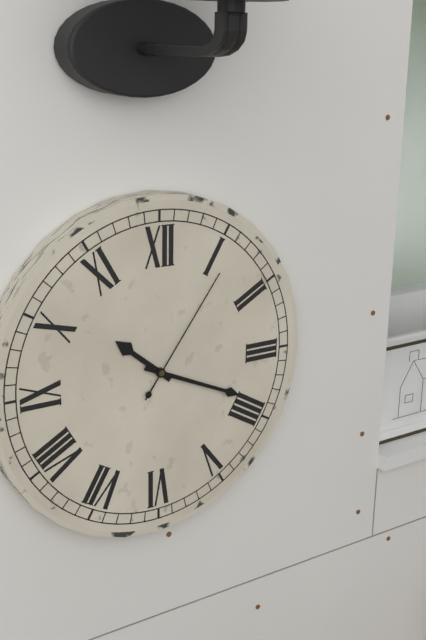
10:19:06
